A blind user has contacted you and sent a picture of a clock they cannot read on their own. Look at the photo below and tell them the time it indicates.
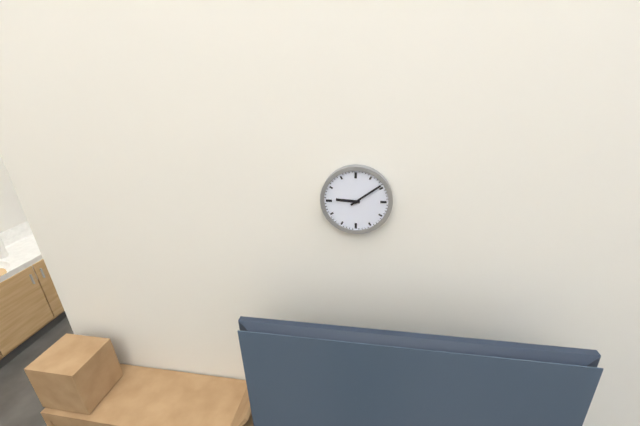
9:09
